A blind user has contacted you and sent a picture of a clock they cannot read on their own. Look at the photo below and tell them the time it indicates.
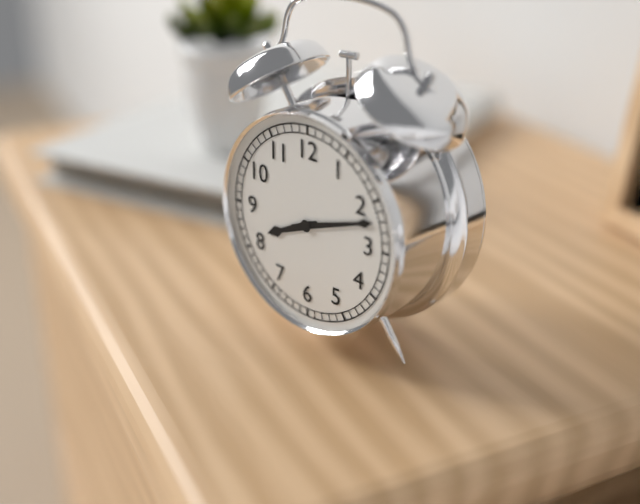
8:12
